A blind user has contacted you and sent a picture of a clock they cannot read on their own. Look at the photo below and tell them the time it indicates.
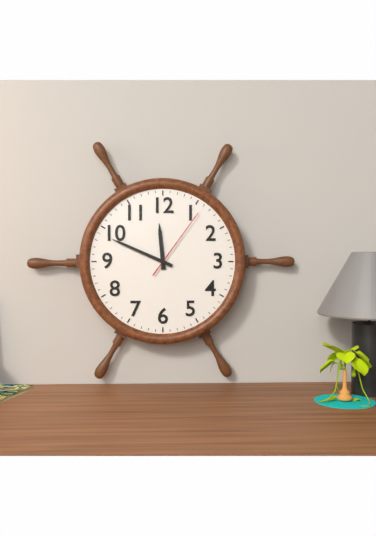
11:49:06
